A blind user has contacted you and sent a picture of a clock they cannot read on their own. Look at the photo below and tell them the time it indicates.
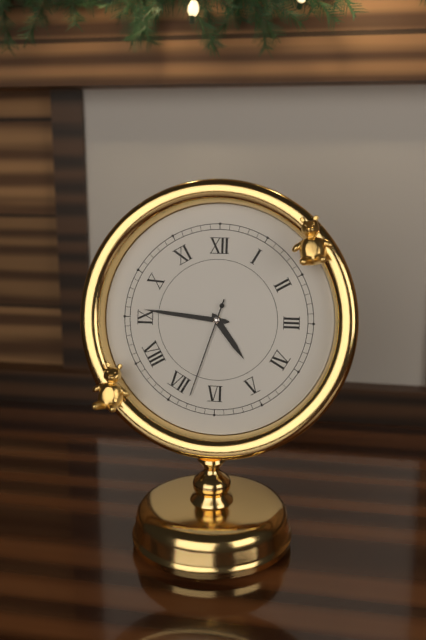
4:46:33
